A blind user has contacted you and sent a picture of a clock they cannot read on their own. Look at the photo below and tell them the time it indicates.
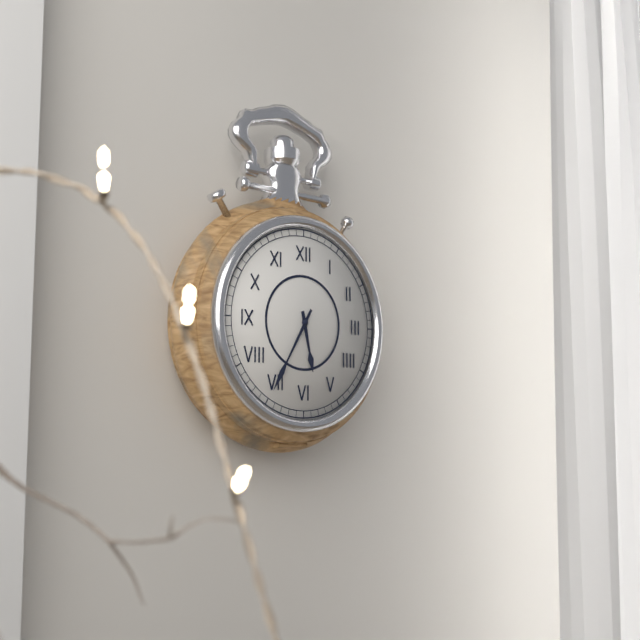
5:35
